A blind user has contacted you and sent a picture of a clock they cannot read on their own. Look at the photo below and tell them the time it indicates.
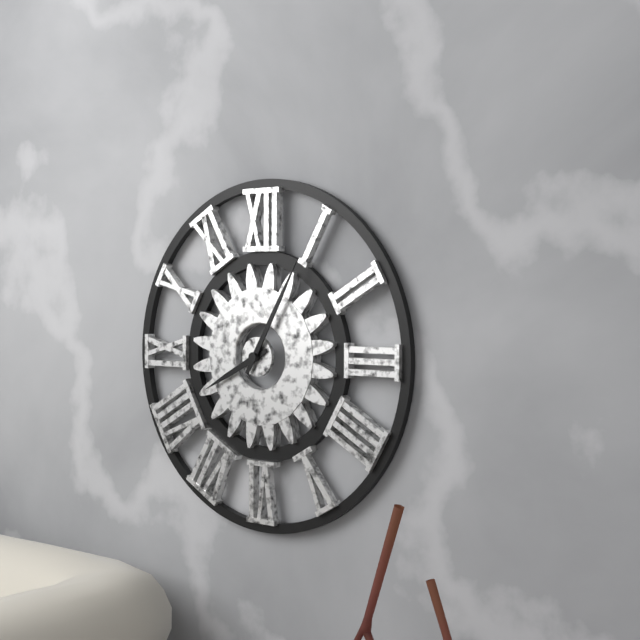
8:05
